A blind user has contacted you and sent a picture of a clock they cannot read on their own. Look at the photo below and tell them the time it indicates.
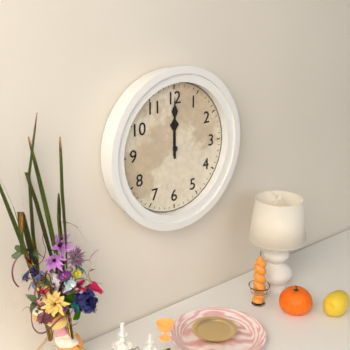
12:00
